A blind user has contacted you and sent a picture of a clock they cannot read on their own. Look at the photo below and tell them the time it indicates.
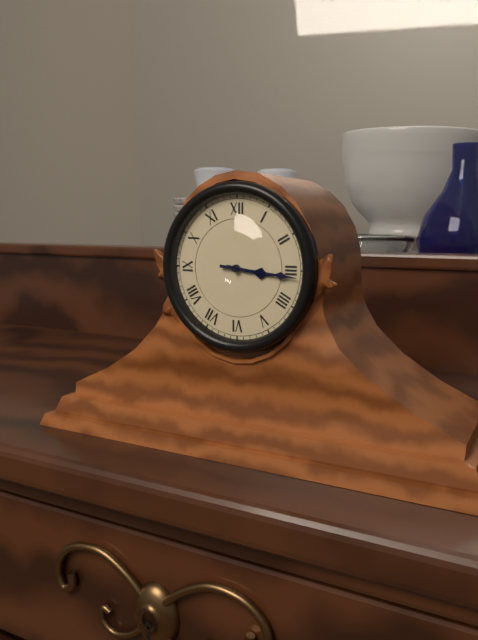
3:16
